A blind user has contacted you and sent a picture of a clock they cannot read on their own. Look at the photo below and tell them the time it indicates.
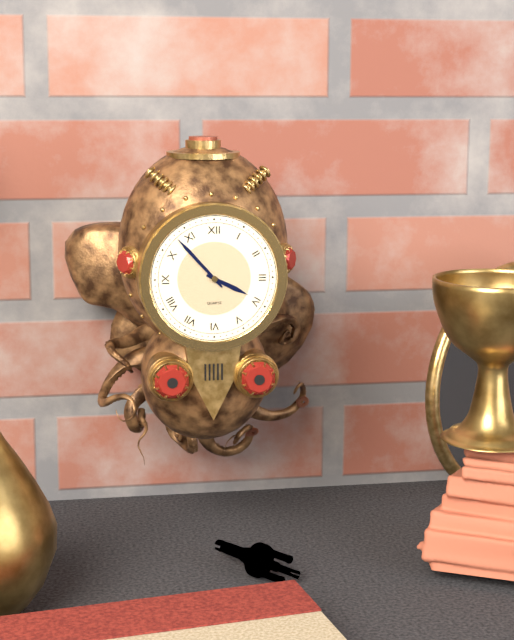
3:53
